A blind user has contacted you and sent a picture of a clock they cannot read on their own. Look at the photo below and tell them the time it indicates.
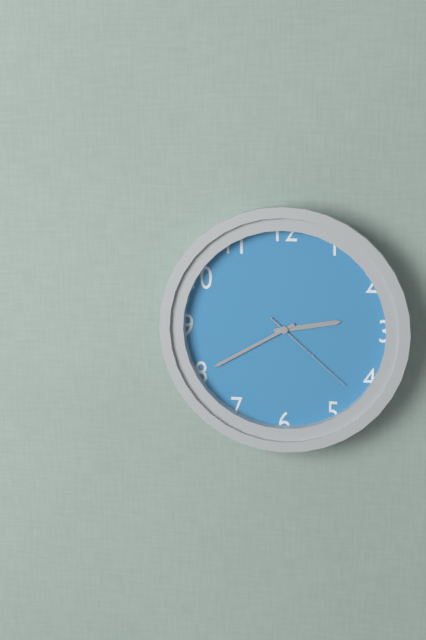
2:40:22
